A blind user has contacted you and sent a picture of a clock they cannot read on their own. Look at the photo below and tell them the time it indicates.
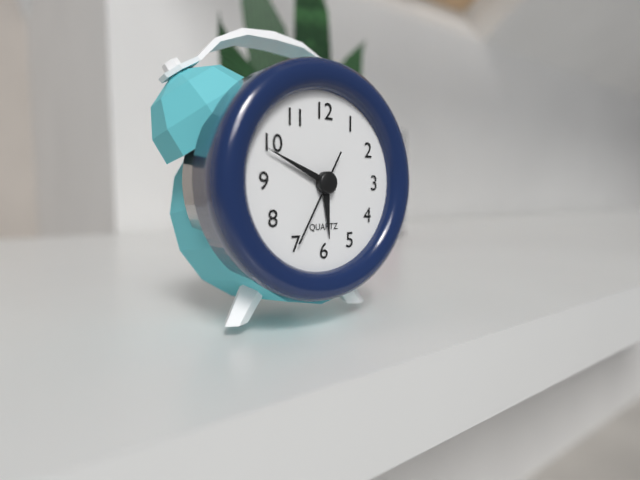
5:49:35
